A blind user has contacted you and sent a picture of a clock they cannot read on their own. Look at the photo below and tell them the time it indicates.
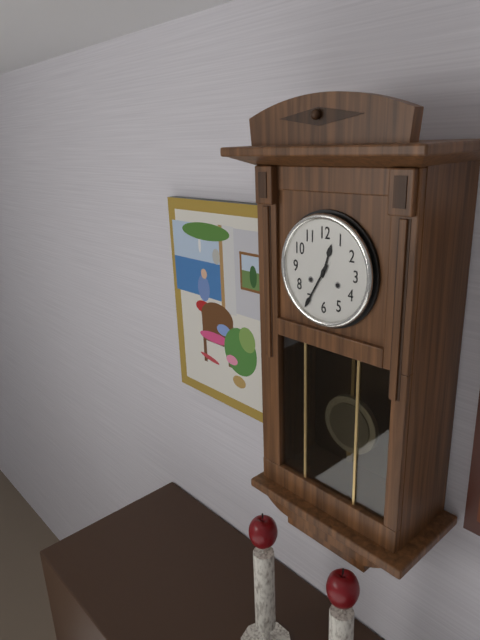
12:35
